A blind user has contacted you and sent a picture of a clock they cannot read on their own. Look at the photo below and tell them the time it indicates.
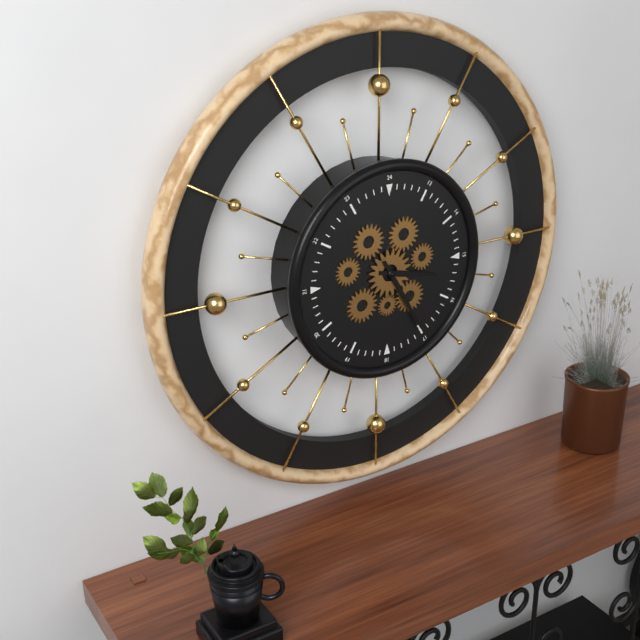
3:25
